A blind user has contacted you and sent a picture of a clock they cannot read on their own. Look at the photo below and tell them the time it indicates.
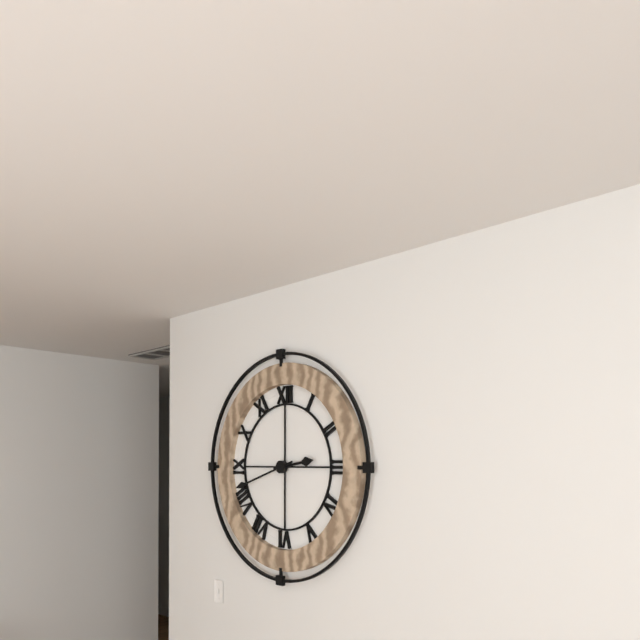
2:42
